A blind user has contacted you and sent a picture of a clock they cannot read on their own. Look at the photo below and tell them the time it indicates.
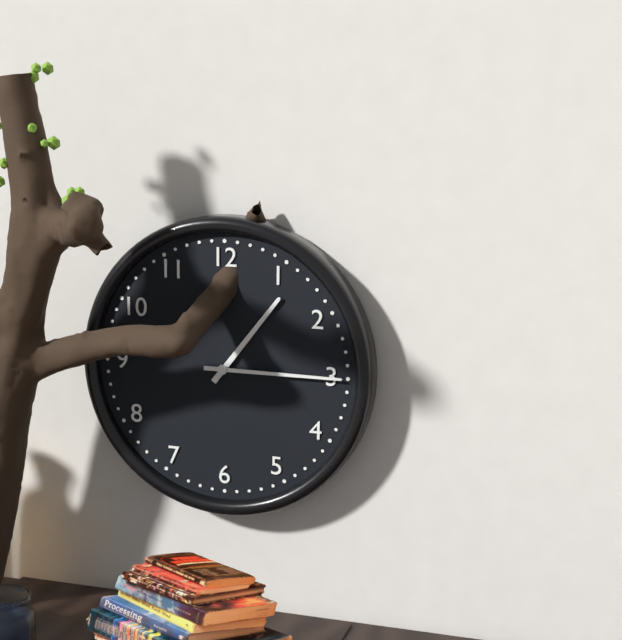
1:15
